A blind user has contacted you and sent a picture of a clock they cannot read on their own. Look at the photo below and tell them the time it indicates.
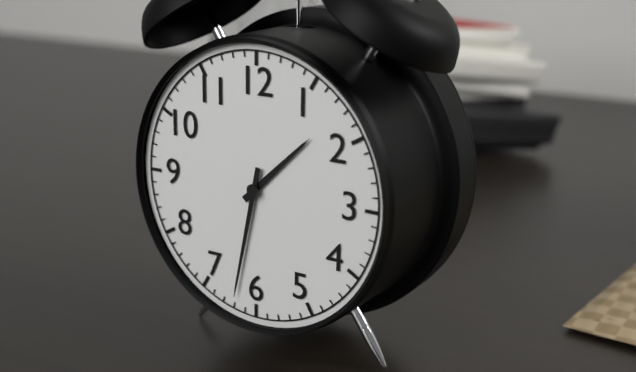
1:32
